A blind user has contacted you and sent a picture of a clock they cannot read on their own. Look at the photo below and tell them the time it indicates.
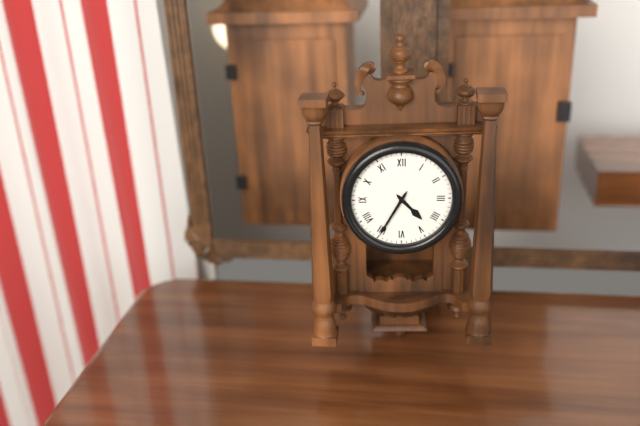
4:35
